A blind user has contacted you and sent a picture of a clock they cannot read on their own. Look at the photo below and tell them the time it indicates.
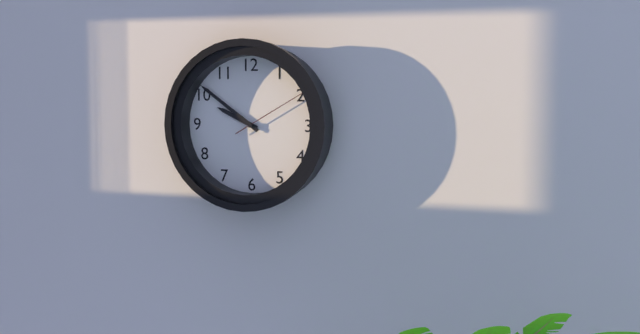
9:51:10
